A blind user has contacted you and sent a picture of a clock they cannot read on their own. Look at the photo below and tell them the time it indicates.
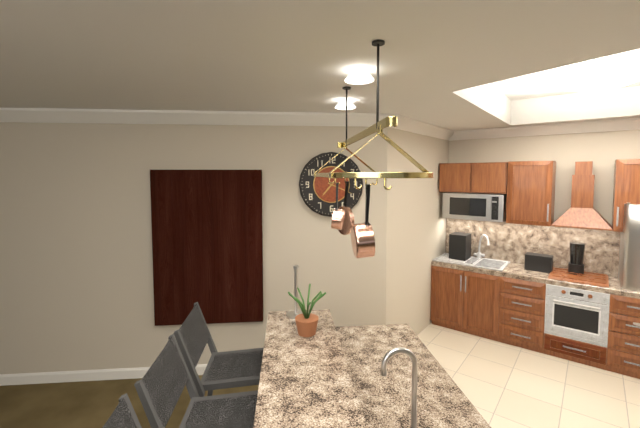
7:19
